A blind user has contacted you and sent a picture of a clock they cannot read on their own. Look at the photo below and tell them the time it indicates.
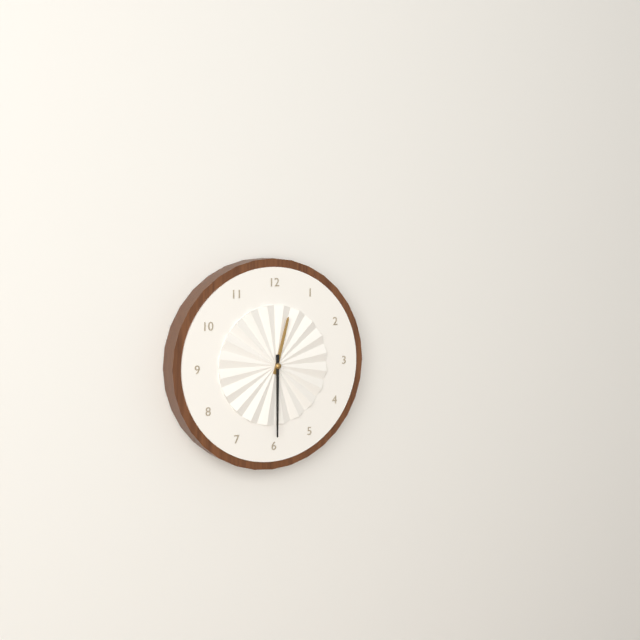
12:30
